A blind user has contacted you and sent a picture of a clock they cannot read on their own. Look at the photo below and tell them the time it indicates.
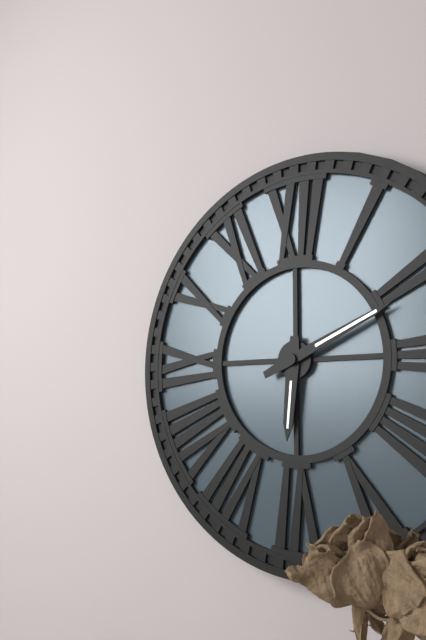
6:11
